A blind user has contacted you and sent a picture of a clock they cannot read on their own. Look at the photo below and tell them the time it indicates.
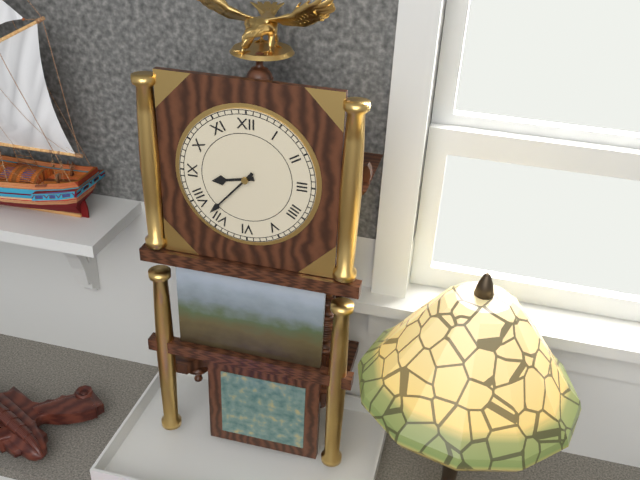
8:37
